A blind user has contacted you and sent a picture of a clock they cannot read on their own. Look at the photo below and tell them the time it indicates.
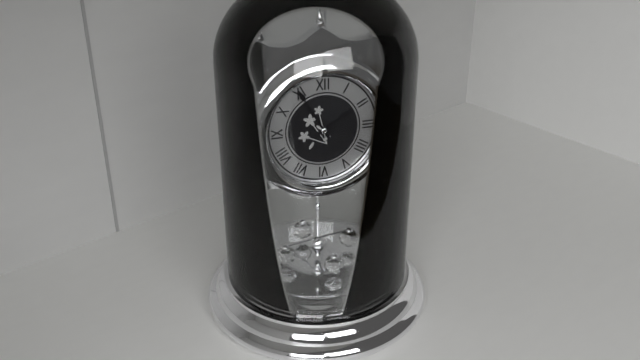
1:55
